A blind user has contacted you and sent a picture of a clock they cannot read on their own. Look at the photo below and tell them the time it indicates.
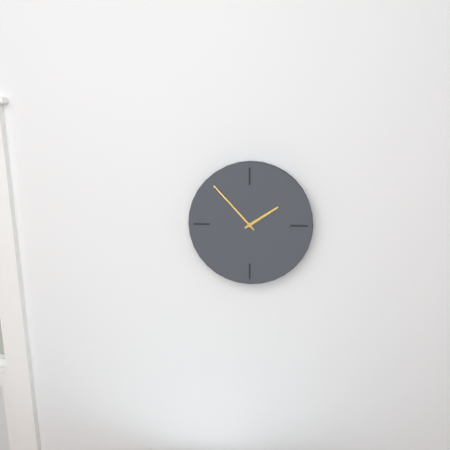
1:53
